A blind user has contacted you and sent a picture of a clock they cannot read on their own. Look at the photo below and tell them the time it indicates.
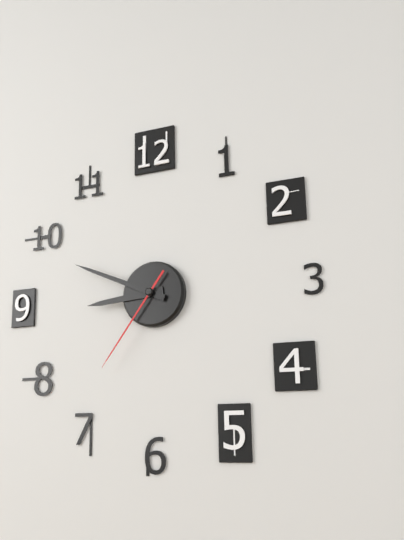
8:49:36
